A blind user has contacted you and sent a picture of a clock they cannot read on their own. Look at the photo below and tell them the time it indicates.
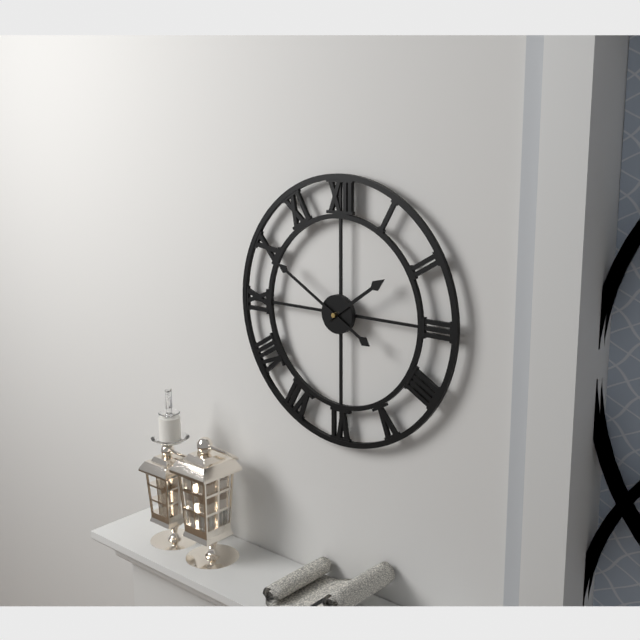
1:50
